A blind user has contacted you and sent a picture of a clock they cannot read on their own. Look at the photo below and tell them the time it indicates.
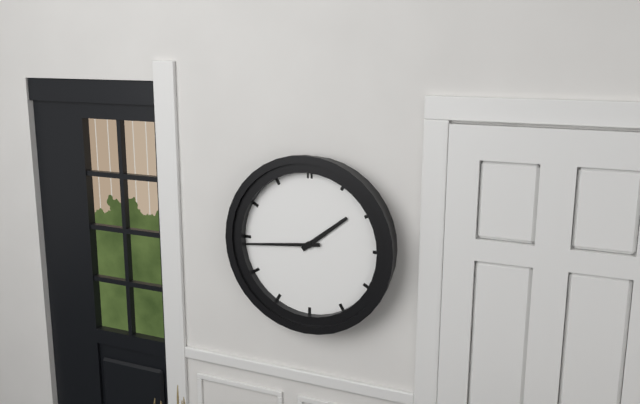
1:44
